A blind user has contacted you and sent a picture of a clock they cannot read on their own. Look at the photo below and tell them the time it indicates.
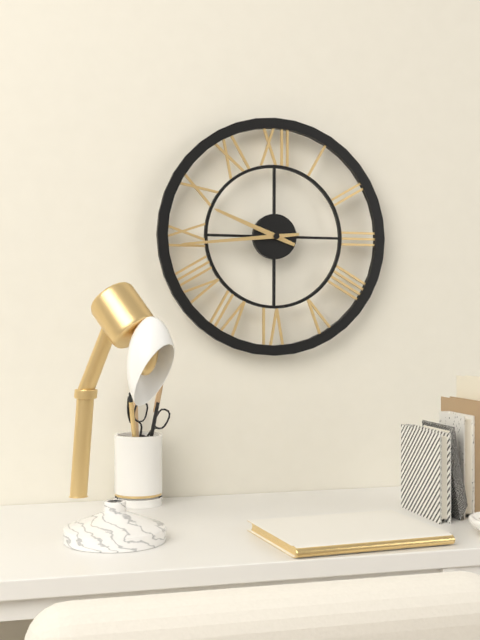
9:44
